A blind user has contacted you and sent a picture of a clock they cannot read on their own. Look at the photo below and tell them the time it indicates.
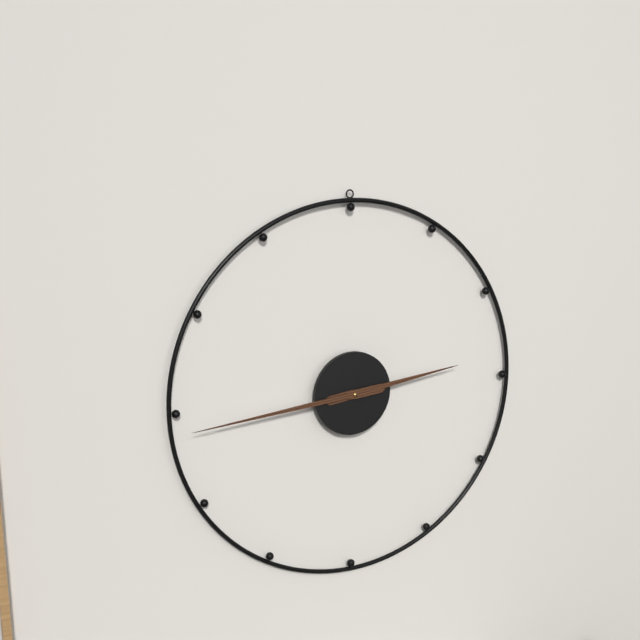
2:44
